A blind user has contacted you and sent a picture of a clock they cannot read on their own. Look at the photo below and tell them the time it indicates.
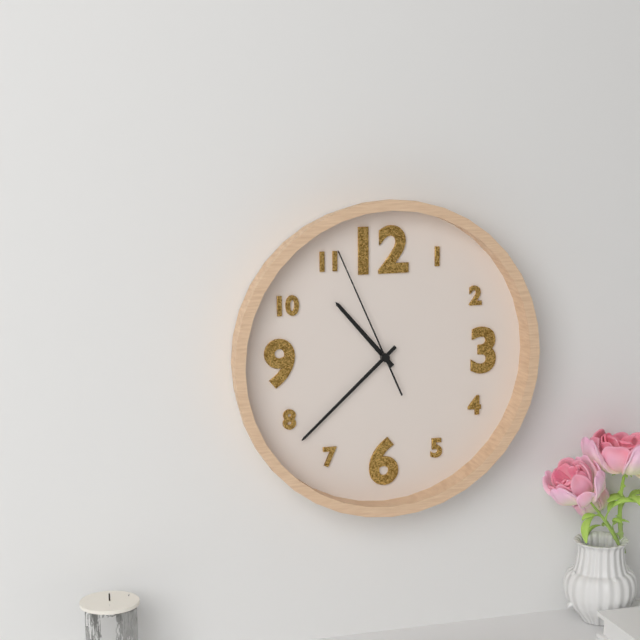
10:38:56
